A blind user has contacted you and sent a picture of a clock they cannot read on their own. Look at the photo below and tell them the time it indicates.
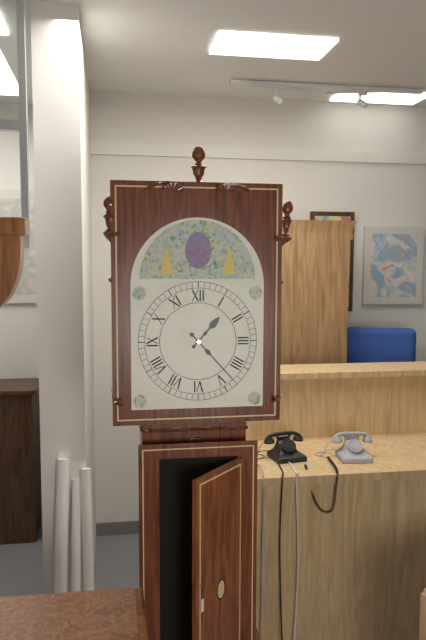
1:23
